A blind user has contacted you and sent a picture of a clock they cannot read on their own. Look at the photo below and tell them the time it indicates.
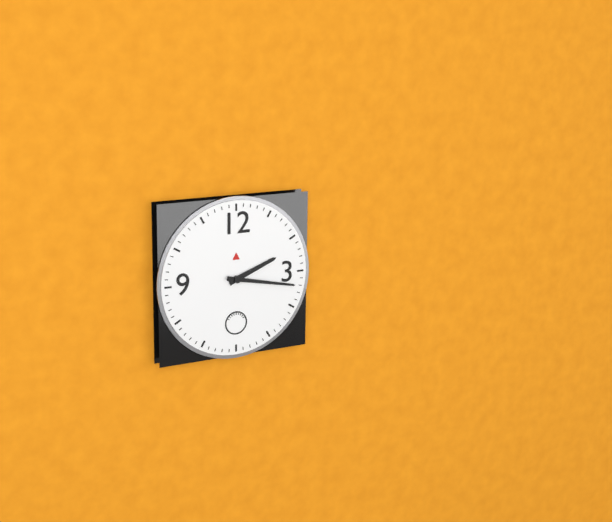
2:17
